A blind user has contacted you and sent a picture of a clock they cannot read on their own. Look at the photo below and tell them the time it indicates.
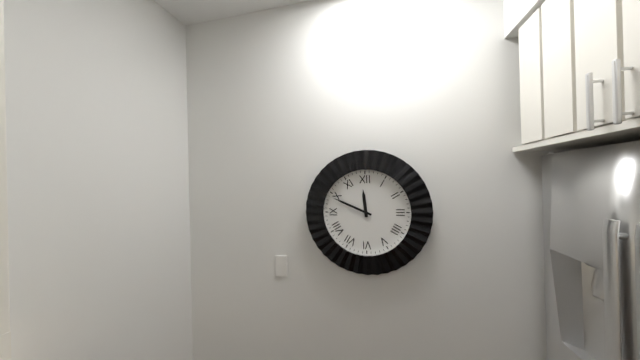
11:49
